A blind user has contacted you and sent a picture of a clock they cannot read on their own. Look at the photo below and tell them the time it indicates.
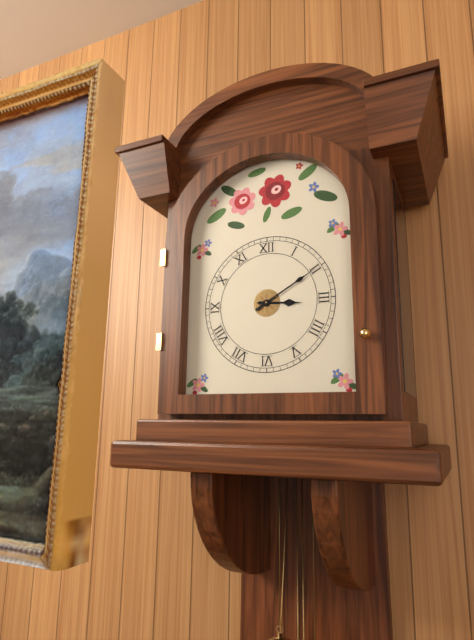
3:10
